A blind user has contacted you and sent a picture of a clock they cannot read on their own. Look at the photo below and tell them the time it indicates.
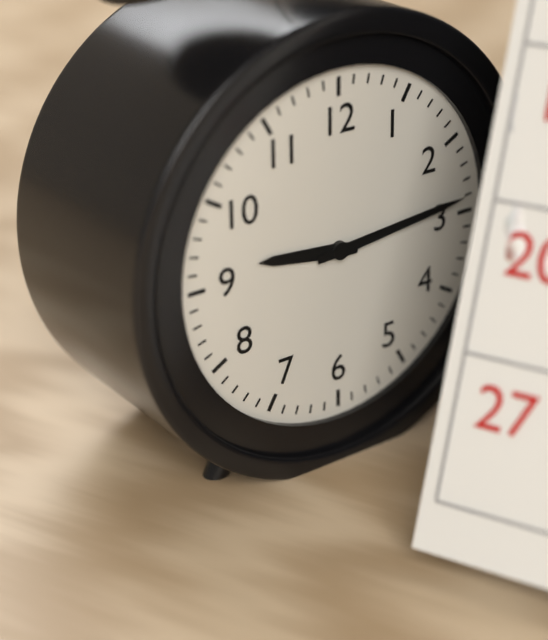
9:14
